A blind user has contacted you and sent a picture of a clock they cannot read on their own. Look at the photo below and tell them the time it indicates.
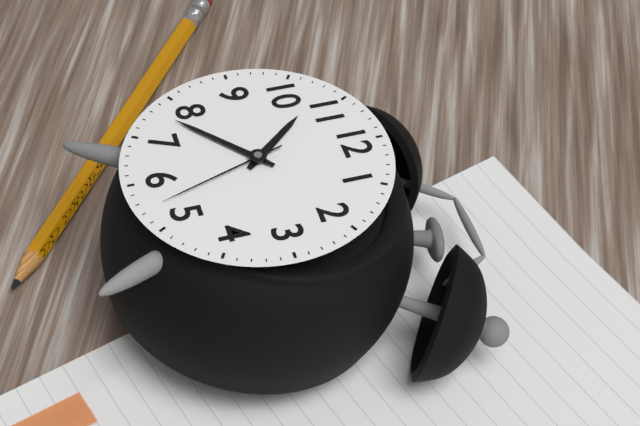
10:38:27
